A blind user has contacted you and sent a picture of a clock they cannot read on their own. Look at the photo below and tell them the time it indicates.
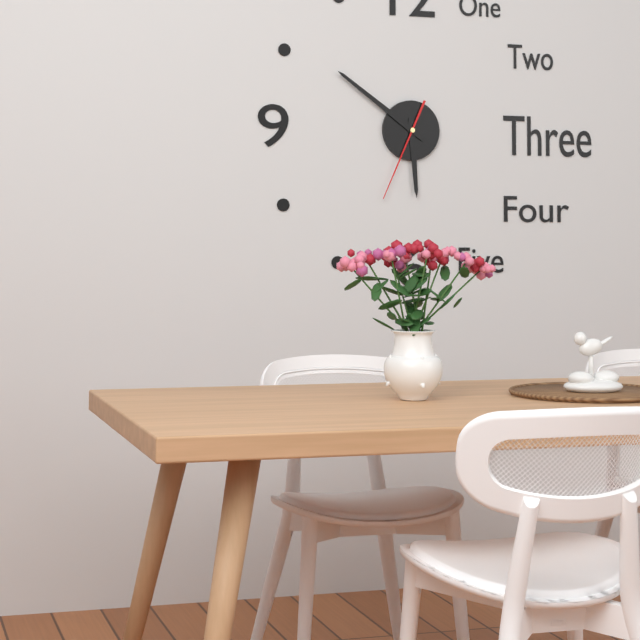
5:51:34
